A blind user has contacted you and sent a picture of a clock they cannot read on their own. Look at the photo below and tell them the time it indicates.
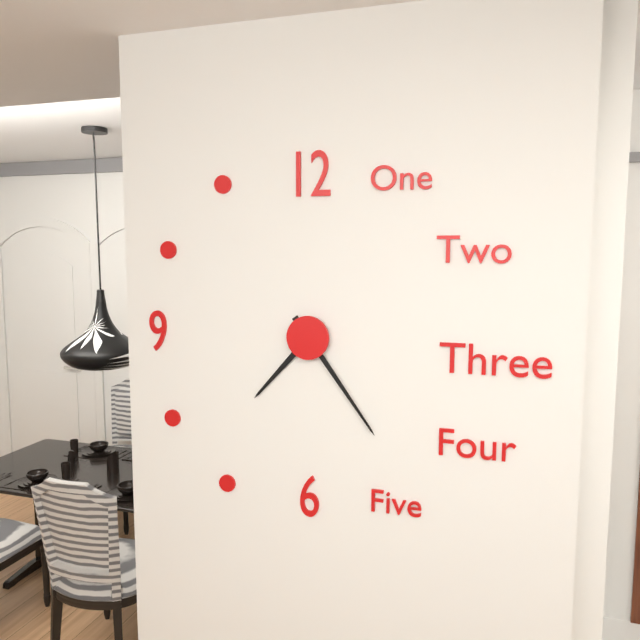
7:24
